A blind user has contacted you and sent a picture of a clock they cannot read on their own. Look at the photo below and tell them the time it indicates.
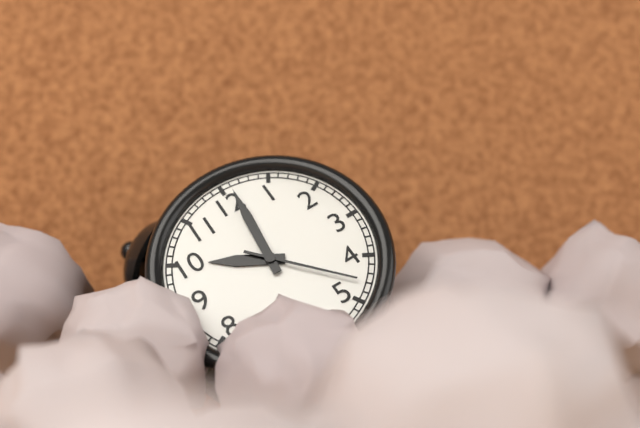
10:01:23
